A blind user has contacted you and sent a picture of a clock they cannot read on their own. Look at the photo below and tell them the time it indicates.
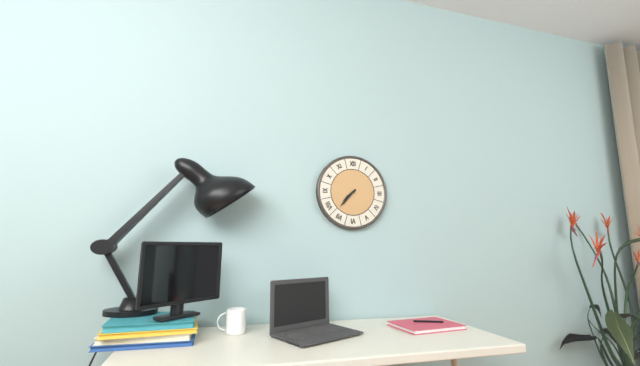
7:37
